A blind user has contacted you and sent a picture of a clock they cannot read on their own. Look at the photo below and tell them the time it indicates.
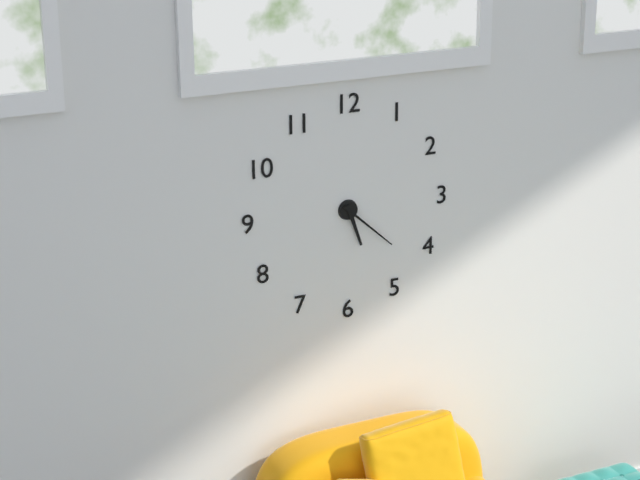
5:22
